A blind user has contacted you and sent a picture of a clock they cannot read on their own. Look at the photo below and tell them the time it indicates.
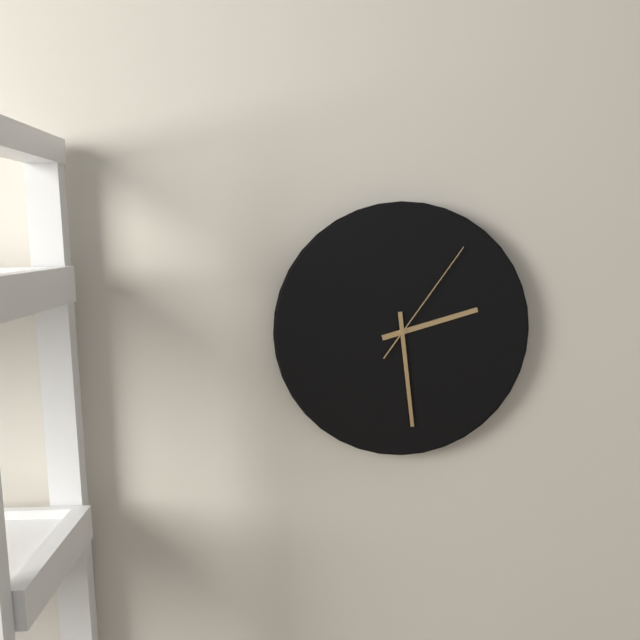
2:29:06
